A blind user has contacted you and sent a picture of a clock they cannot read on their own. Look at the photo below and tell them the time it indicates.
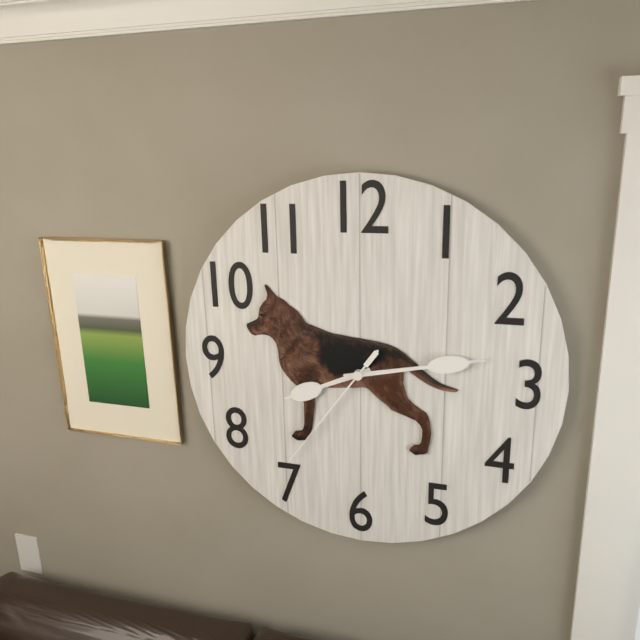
8:13:36
